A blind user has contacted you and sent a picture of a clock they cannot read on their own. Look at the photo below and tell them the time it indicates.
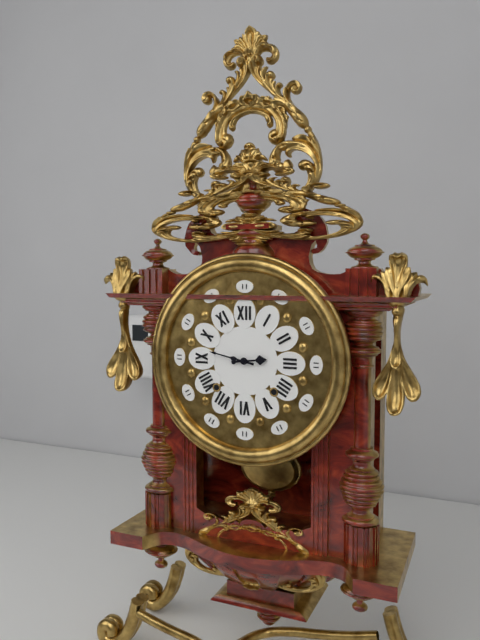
2:47
